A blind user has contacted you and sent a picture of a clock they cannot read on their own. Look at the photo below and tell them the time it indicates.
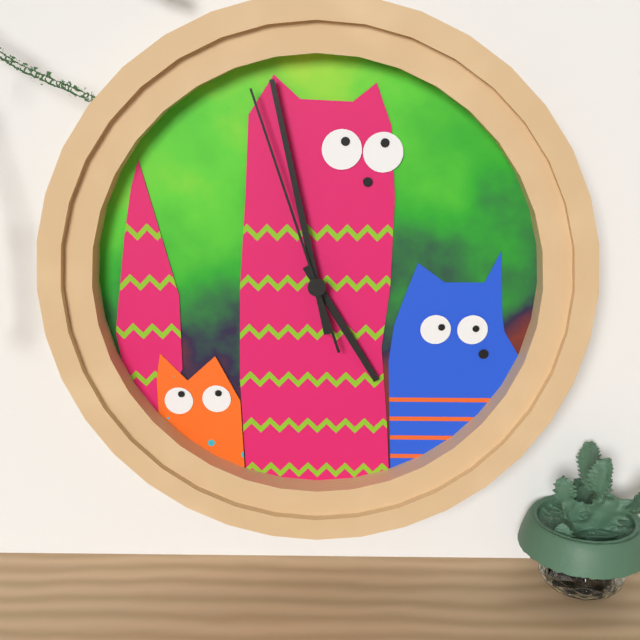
4:58:57
